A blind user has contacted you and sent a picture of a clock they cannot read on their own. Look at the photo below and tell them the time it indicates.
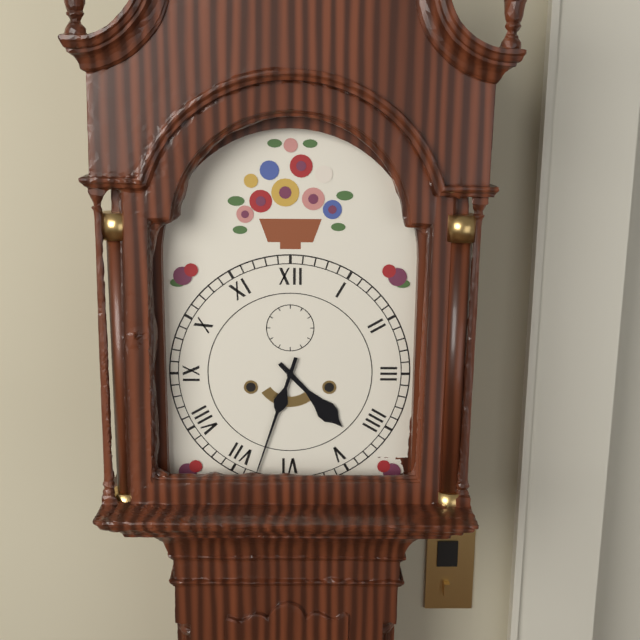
4:33
